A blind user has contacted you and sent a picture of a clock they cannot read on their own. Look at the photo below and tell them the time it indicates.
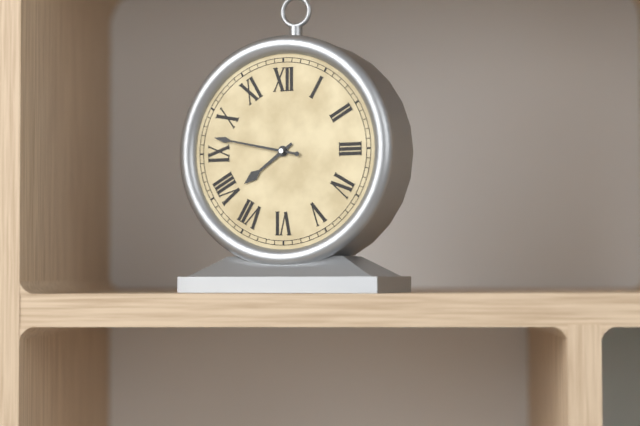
7:47
